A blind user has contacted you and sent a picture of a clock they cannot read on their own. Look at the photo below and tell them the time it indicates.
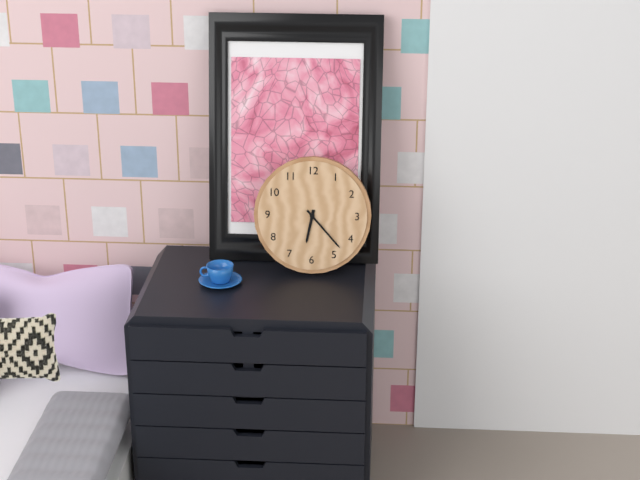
6:23
